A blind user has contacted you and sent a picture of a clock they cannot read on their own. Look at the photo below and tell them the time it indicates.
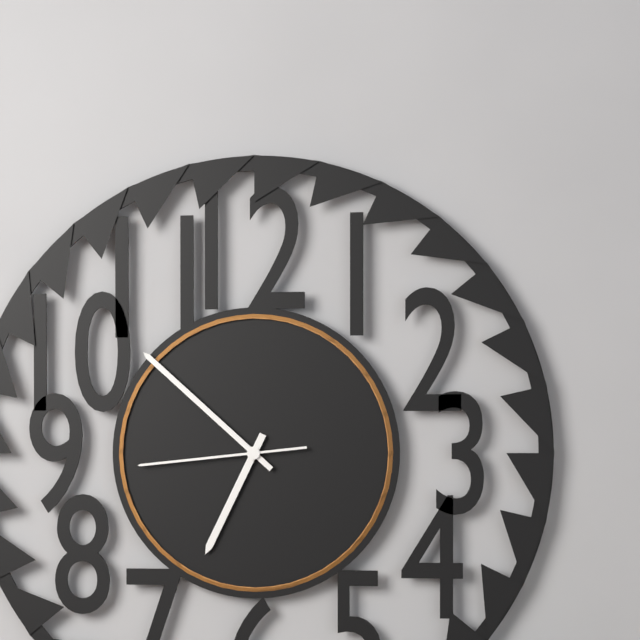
6:52:44
